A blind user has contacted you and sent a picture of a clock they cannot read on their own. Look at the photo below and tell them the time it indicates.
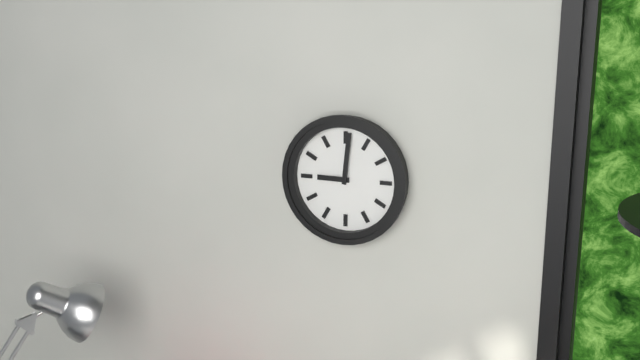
9:01
